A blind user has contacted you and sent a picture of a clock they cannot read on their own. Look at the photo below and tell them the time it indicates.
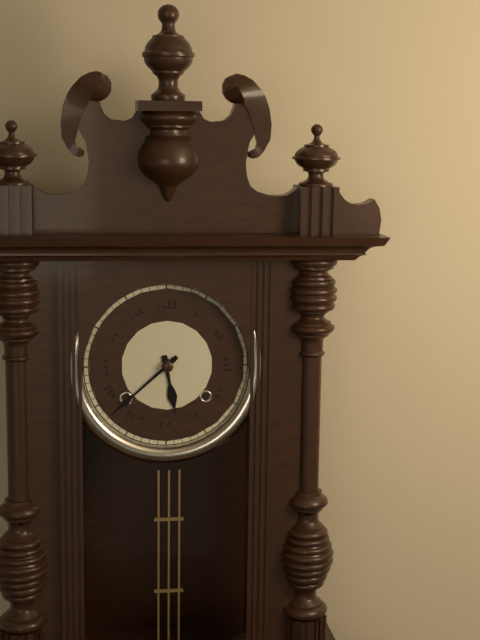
5:38
